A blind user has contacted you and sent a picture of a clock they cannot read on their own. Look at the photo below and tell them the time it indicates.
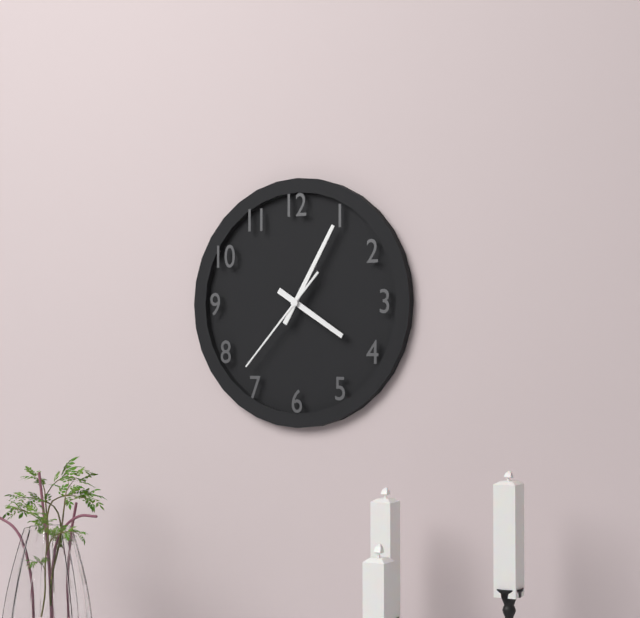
4:05:37
